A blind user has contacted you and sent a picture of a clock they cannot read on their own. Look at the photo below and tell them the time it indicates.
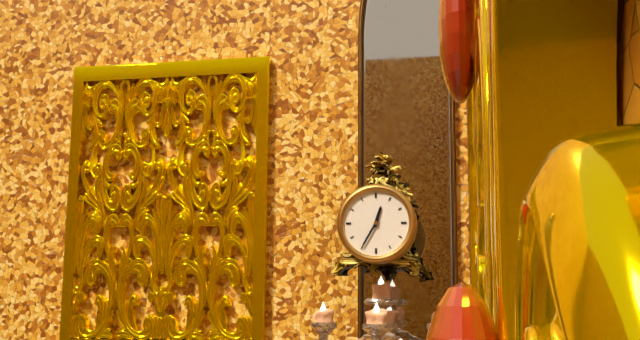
12:35
